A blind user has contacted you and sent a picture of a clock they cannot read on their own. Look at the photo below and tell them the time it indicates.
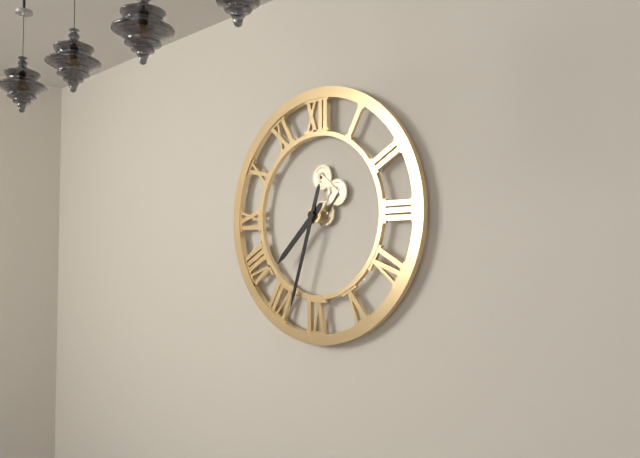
7:33
